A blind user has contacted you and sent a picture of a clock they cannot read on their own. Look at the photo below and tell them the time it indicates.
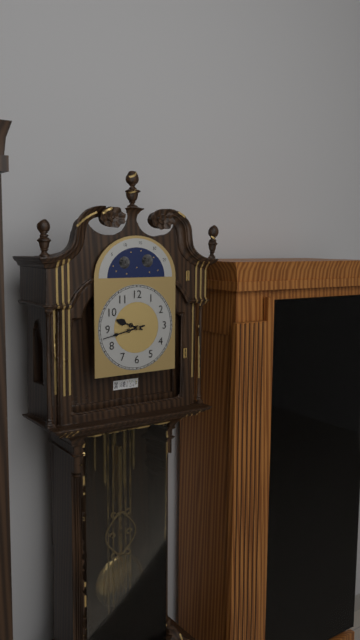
9:43
